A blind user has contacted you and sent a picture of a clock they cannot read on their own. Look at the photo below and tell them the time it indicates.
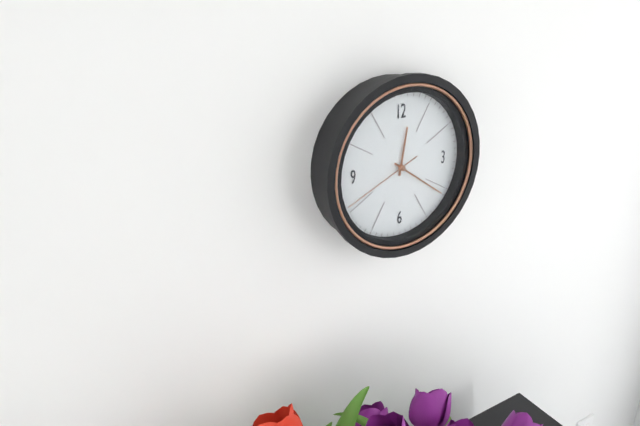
12:21:41
